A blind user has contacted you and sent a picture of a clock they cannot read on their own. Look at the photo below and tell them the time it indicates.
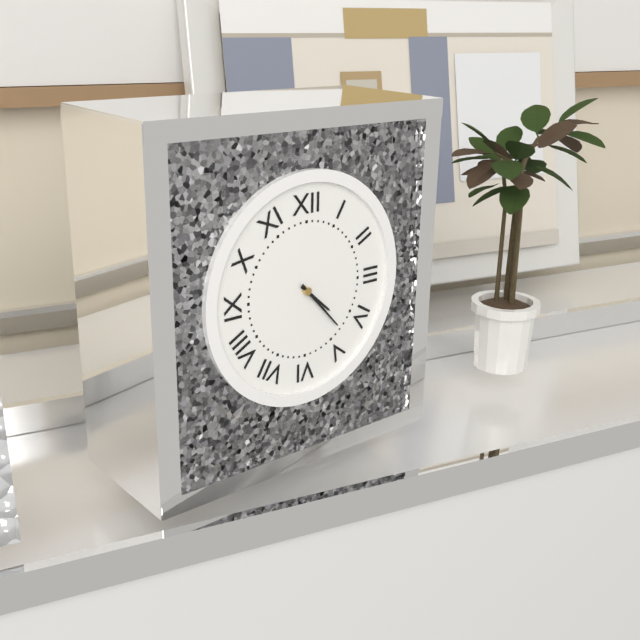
4:23
